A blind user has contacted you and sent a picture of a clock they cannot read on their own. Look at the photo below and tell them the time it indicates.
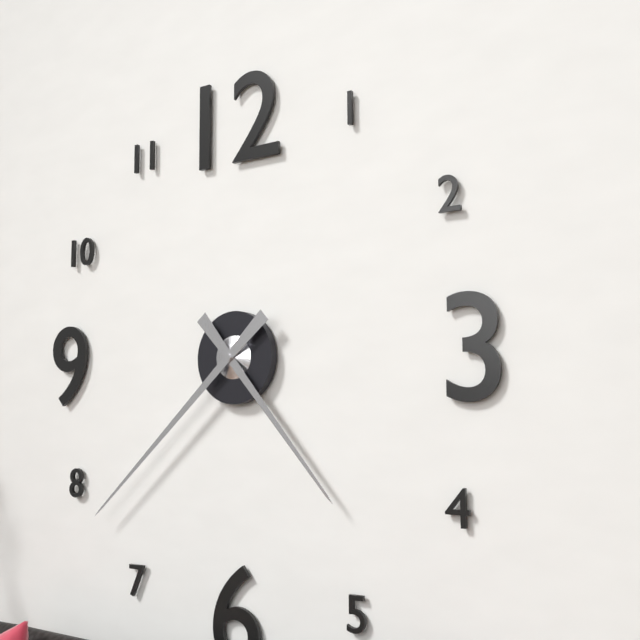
4:38
